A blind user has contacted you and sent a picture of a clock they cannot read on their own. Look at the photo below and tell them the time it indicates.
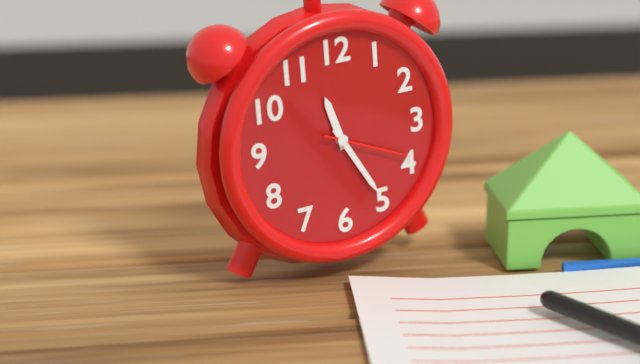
11:25:19
